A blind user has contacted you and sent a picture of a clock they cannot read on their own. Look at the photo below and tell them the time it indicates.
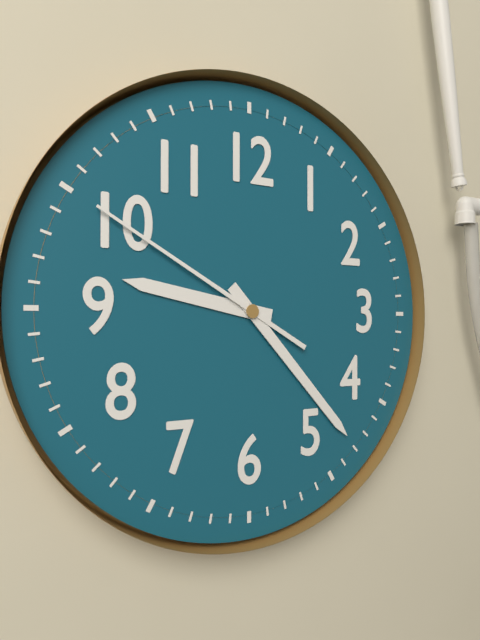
9:23:50
